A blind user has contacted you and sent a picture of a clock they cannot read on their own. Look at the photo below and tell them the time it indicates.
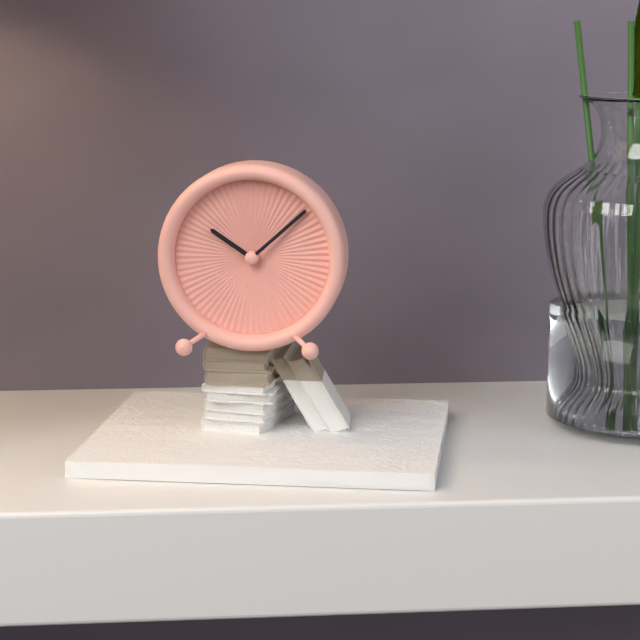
10:08
